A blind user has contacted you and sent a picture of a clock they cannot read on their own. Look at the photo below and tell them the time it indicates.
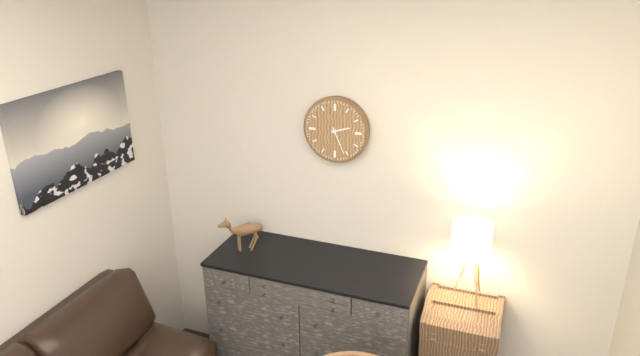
2:26
